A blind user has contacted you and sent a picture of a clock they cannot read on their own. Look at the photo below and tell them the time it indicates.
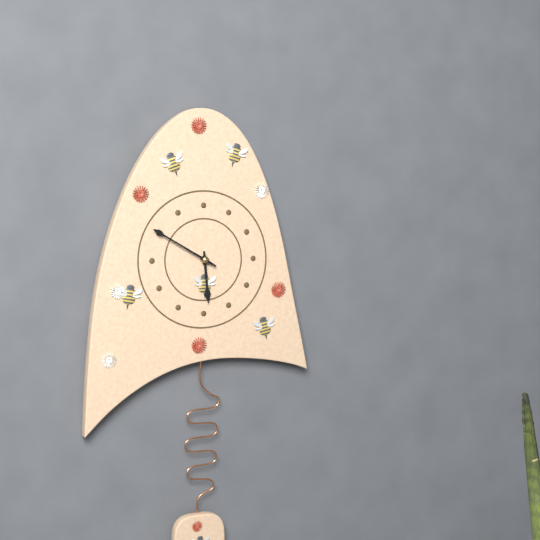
5:50
